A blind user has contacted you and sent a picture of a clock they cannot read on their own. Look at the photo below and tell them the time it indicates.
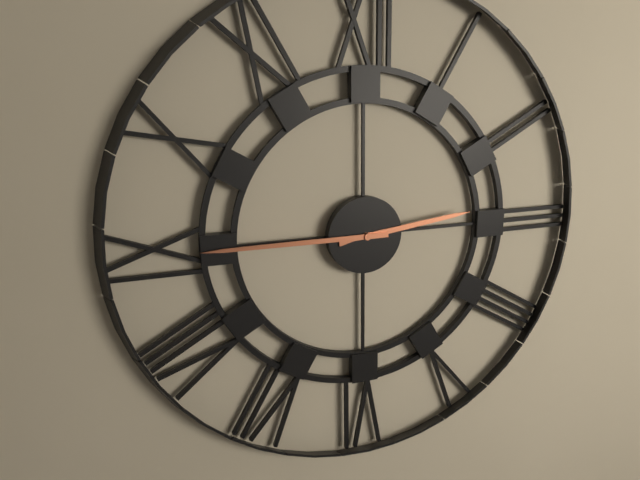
2:45
